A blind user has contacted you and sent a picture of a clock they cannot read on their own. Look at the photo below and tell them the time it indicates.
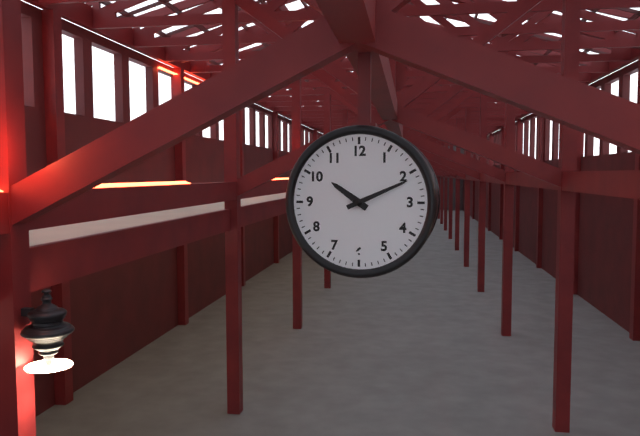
10:11
